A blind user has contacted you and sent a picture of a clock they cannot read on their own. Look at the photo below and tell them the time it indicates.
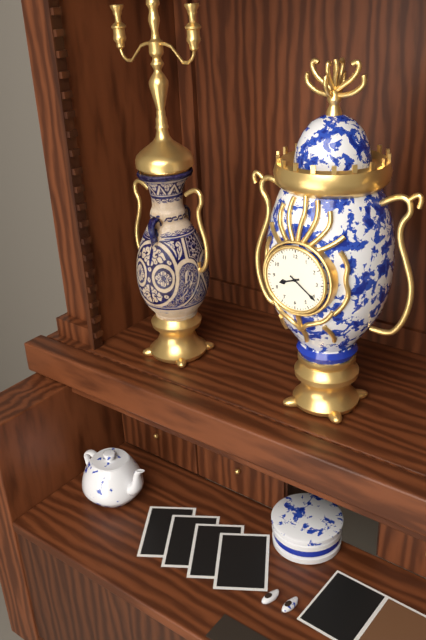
8:21
